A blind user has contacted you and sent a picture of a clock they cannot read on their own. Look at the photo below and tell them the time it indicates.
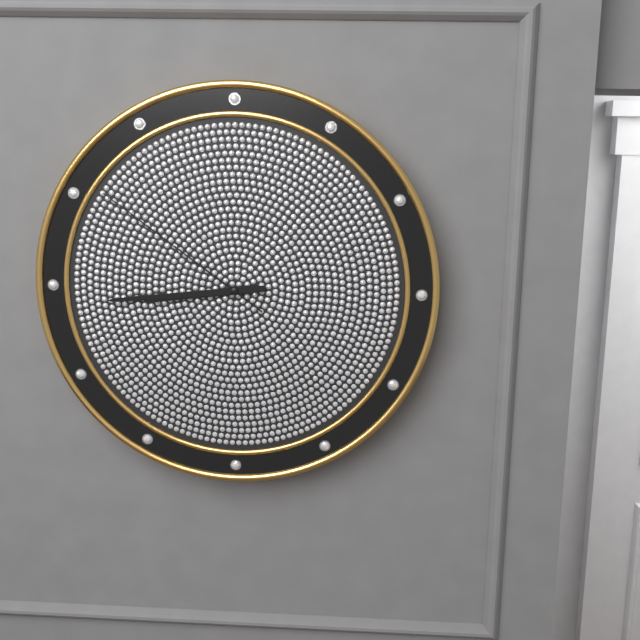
8:44:51
